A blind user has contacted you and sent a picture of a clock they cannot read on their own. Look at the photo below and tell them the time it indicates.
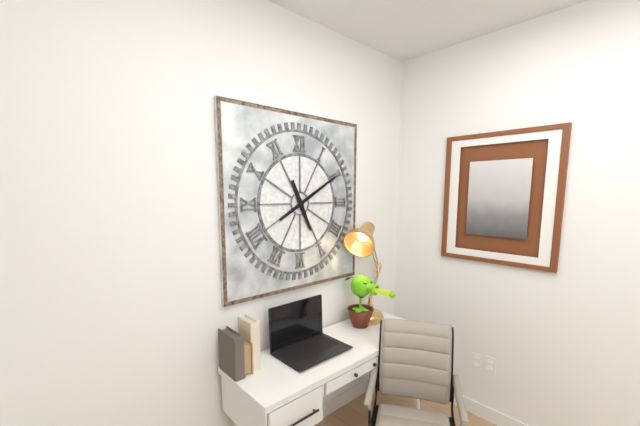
5:10
